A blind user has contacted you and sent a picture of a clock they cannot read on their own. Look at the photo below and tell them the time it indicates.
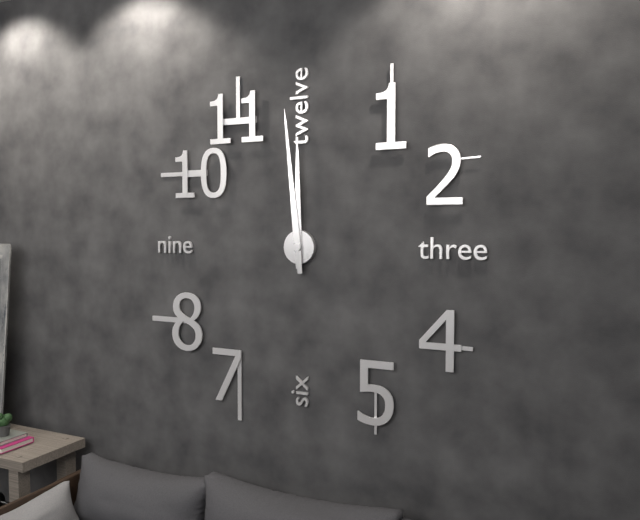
11:59
